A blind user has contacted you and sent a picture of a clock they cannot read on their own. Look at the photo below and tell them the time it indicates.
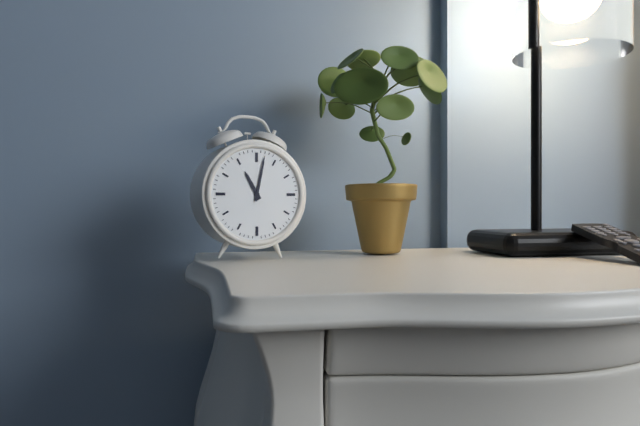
11:02
